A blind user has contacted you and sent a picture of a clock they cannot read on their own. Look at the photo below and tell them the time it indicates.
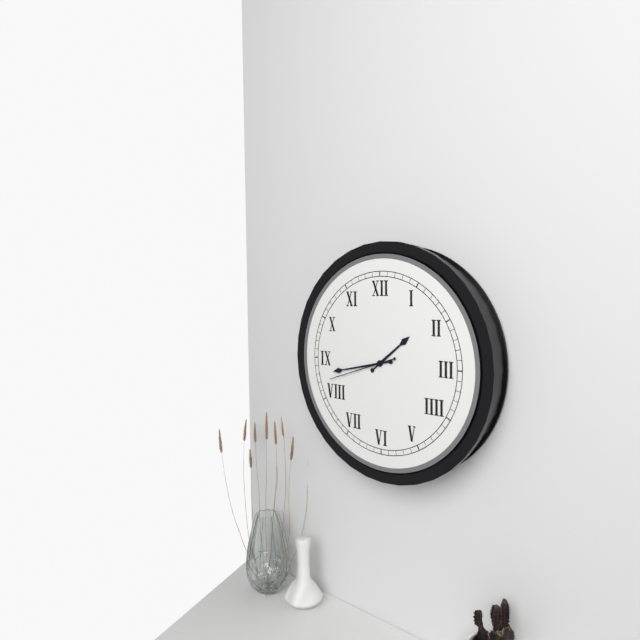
1:43:42
